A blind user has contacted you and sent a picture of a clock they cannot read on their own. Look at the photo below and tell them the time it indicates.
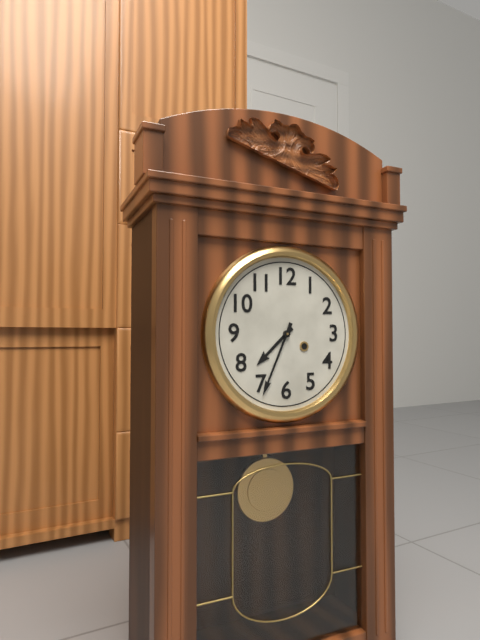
7:34
